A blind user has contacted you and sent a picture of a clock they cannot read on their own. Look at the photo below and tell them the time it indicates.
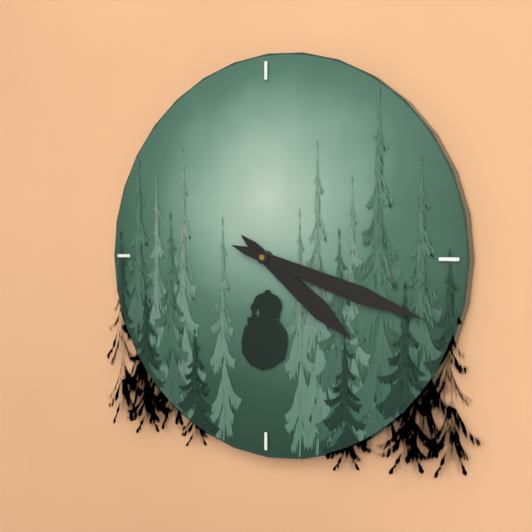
4:18
